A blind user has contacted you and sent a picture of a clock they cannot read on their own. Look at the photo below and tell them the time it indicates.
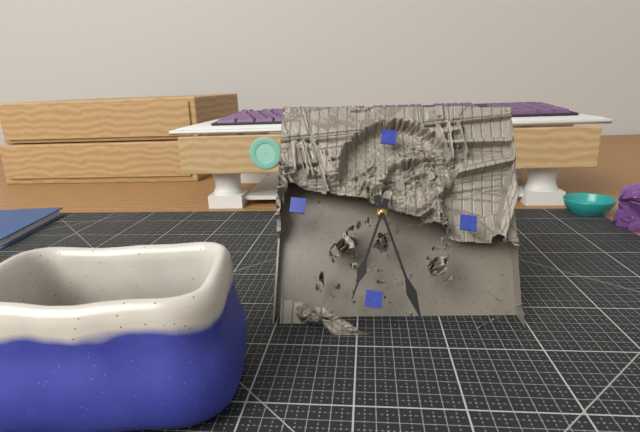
6:26
